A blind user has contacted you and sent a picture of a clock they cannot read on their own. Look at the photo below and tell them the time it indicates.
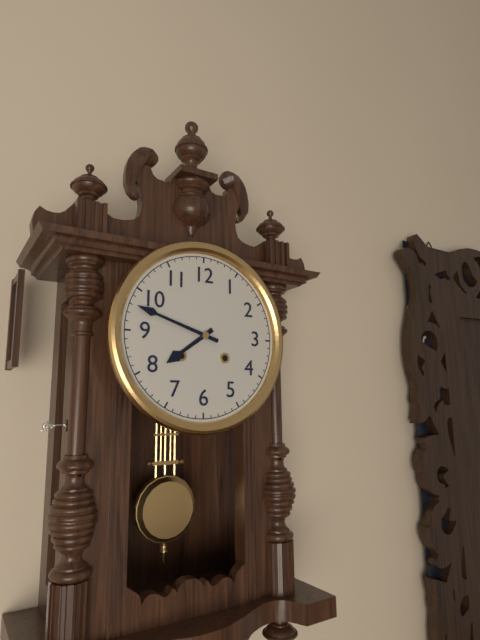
7:48
